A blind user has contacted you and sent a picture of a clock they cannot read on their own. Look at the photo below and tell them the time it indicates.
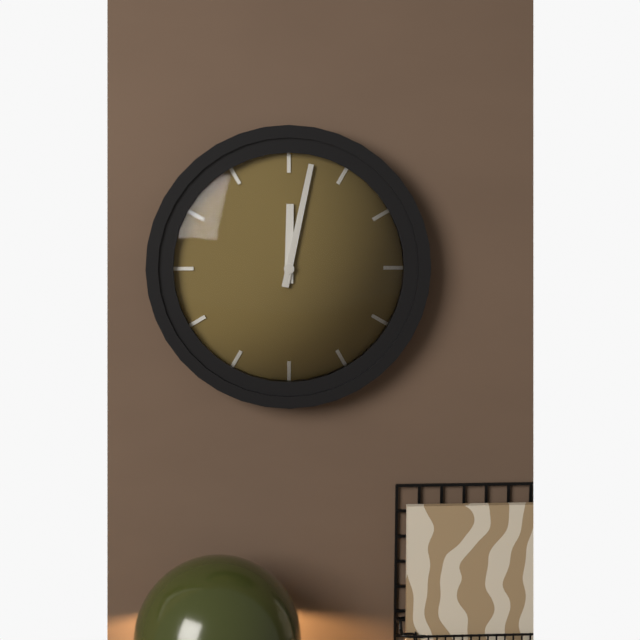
12:02
